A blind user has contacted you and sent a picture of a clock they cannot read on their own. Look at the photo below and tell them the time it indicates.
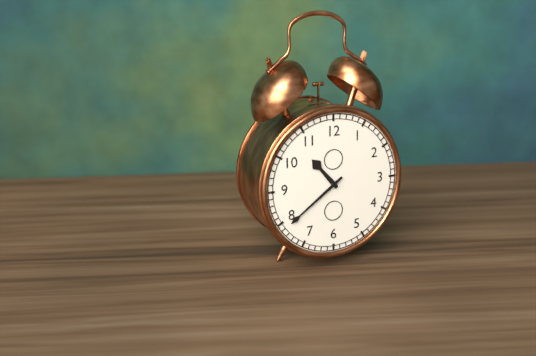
10:39
